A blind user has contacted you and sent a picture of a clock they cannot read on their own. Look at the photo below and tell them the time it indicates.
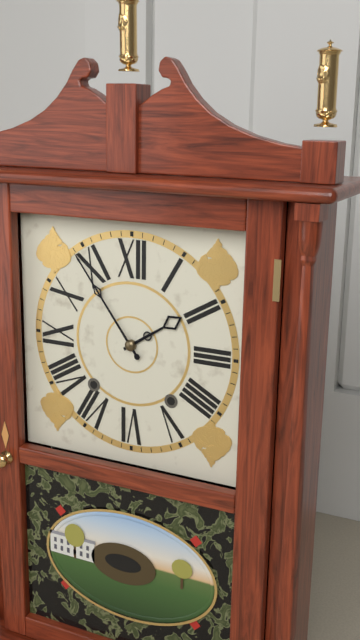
1:54
